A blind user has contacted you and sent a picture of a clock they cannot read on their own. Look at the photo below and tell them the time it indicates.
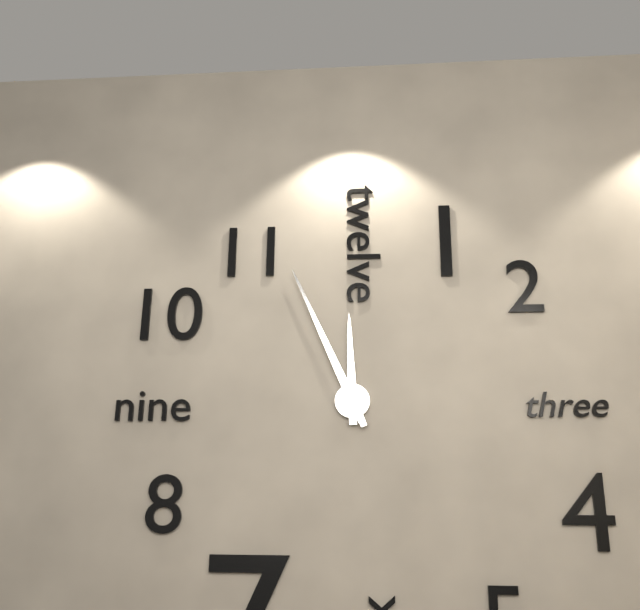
11:56
